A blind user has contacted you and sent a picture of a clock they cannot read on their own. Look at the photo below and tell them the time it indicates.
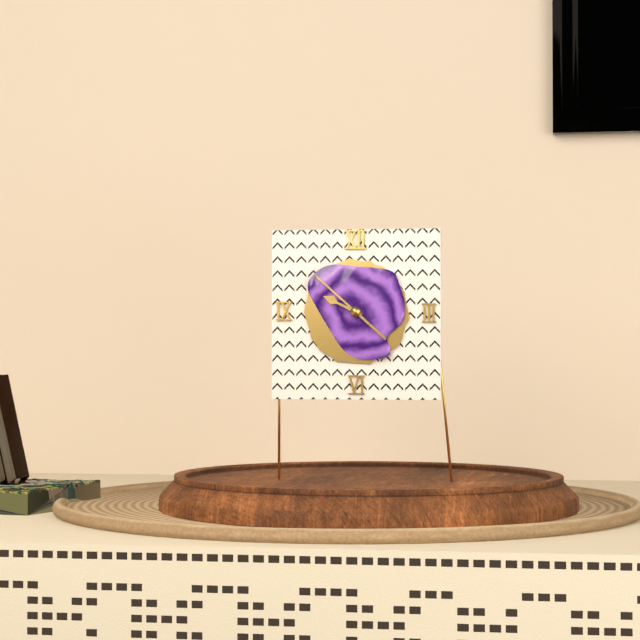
9:52
